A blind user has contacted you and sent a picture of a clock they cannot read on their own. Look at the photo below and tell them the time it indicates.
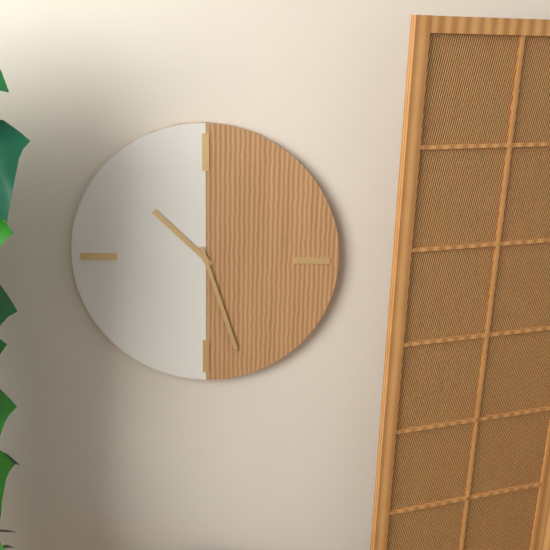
10:27
